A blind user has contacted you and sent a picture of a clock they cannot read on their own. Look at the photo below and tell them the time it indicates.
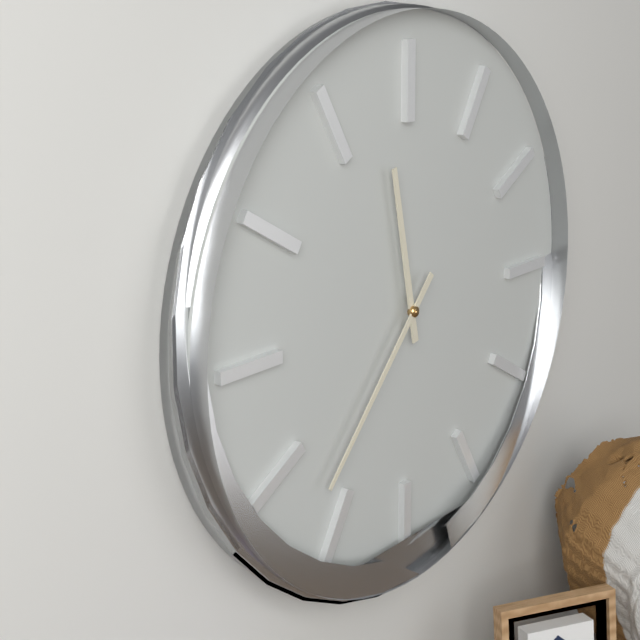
11:37
